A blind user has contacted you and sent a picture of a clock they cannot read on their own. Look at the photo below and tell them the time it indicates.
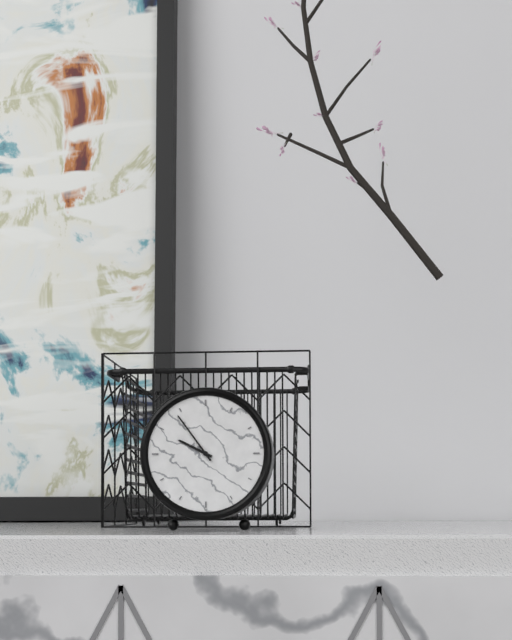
9:54
